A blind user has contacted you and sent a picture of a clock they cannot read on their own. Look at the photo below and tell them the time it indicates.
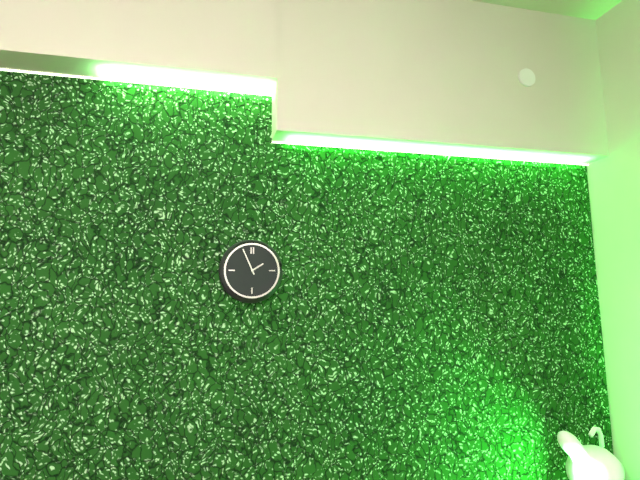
1:56
